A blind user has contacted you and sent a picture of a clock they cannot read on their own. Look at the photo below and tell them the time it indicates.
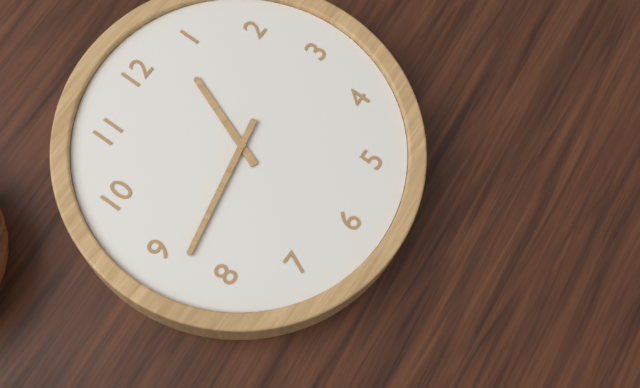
12:43
